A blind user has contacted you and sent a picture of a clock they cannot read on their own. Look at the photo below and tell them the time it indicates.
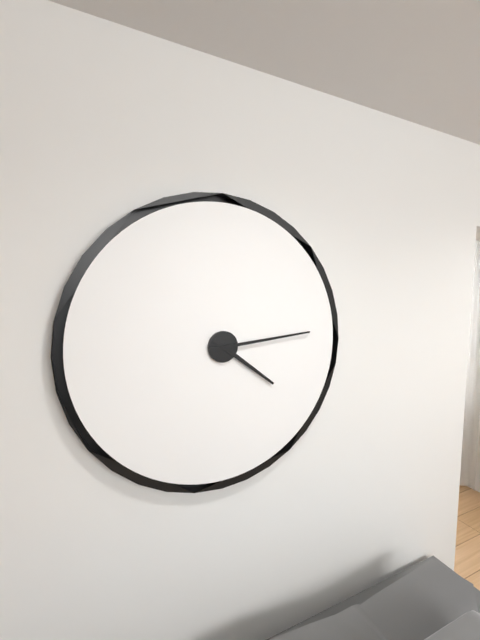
4:14
